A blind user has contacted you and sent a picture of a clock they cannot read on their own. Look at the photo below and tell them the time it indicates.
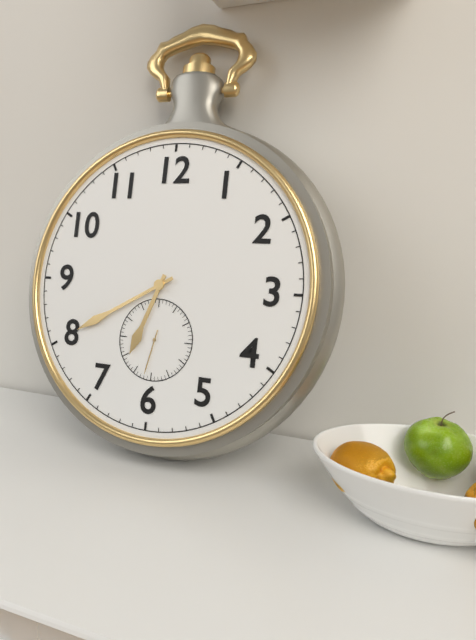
6:40
